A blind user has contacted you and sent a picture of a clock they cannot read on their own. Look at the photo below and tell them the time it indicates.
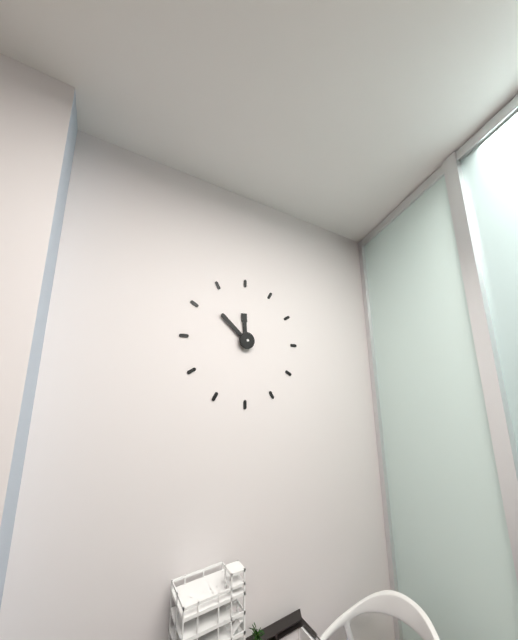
11:52
